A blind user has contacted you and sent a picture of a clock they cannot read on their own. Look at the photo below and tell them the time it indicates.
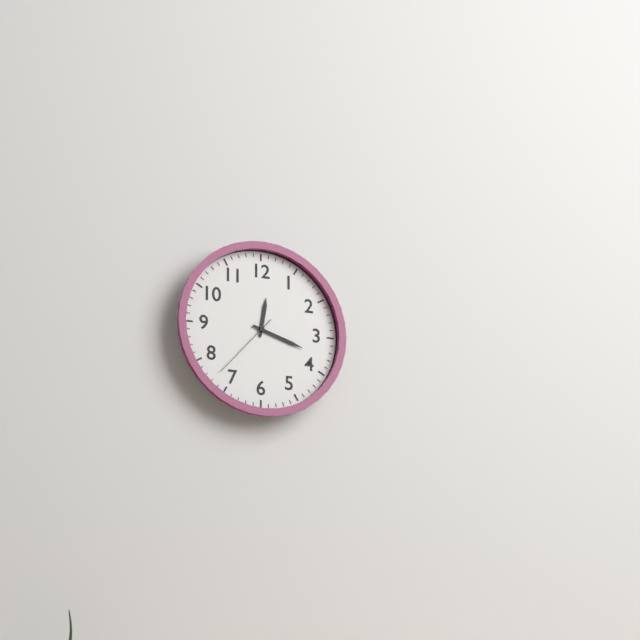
12:18:37
